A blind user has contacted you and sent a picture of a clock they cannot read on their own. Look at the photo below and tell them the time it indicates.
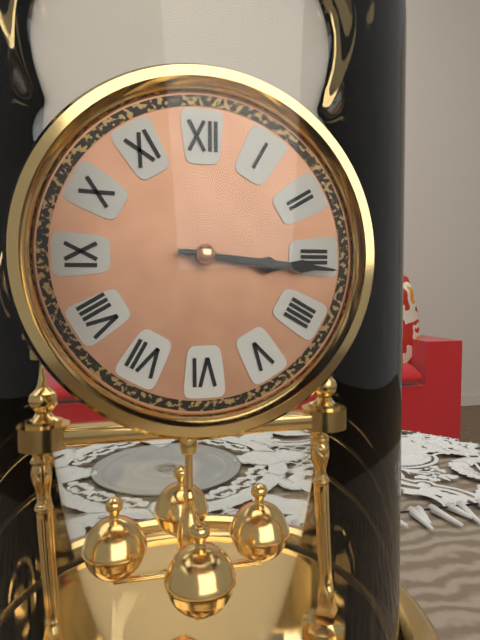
3:16
